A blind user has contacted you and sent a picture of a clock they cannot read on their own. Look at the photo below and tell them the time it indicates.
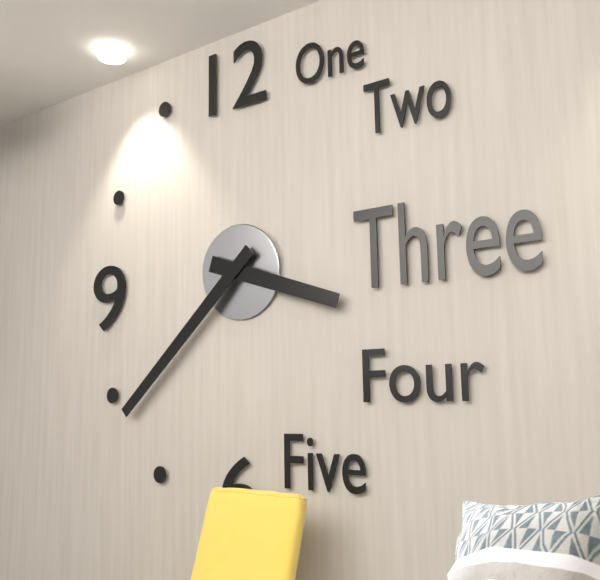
3:38
